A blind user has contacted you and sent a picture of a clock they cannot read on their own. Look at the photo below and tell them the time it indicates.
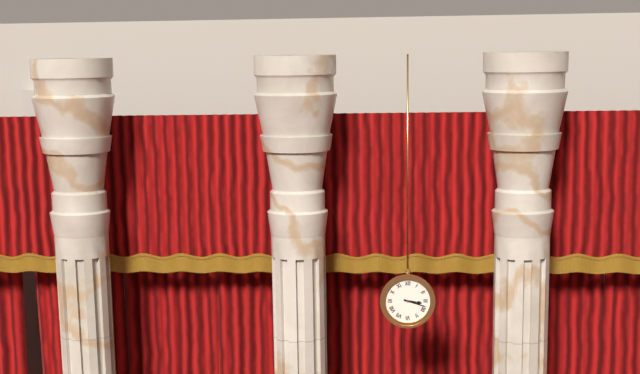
3:18
